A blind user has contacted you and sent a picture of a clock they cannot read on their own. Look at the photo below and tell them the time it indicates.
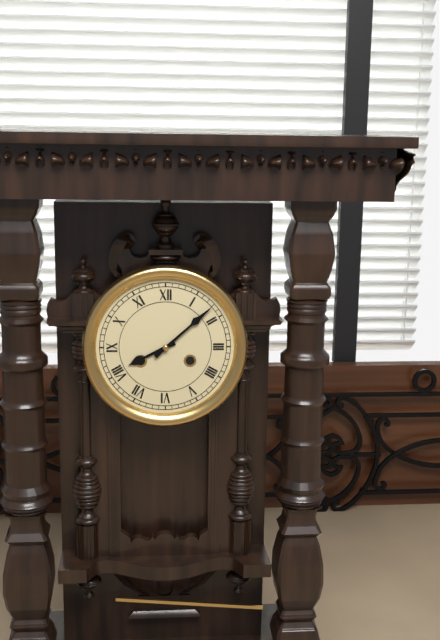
8:08
